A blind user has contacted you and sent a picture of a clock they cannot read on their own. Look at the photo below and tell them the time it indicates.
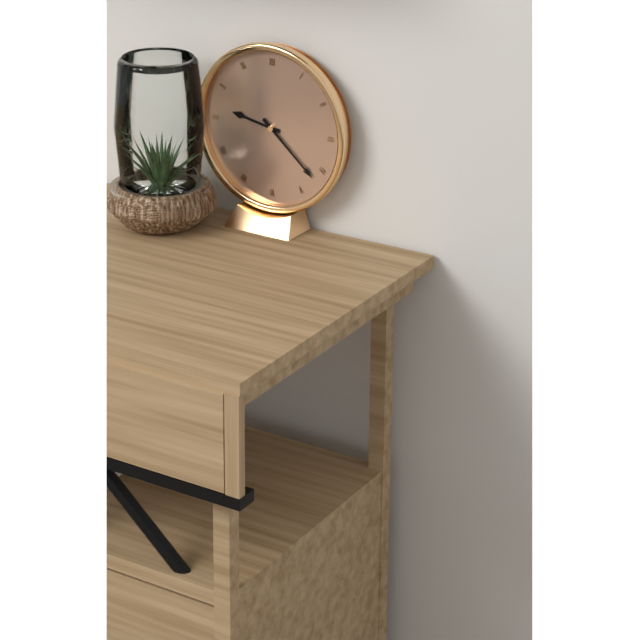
9:22
